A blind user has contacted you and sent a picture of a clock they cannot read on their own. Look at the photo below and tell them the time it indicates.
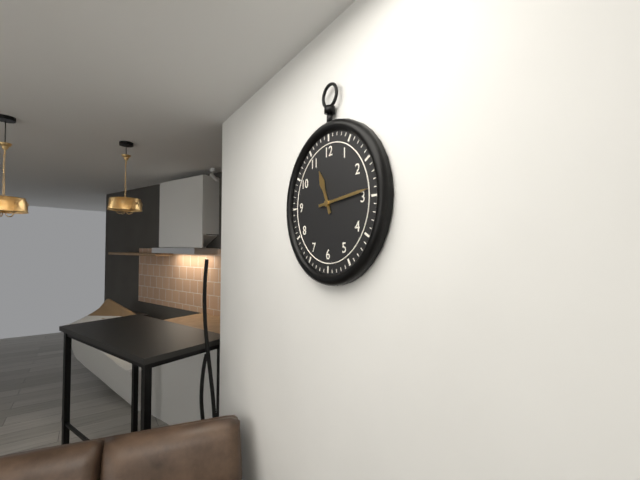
11:14
